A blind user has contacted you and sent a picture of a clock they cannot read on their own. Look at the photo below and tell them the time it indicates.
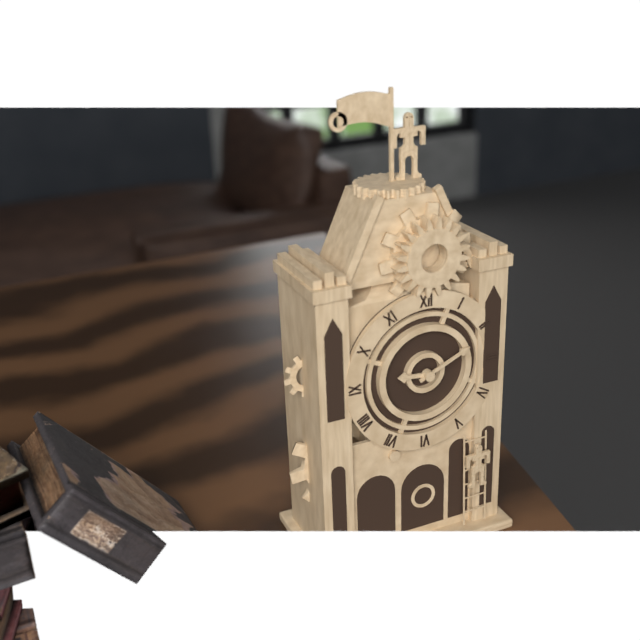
9:11
